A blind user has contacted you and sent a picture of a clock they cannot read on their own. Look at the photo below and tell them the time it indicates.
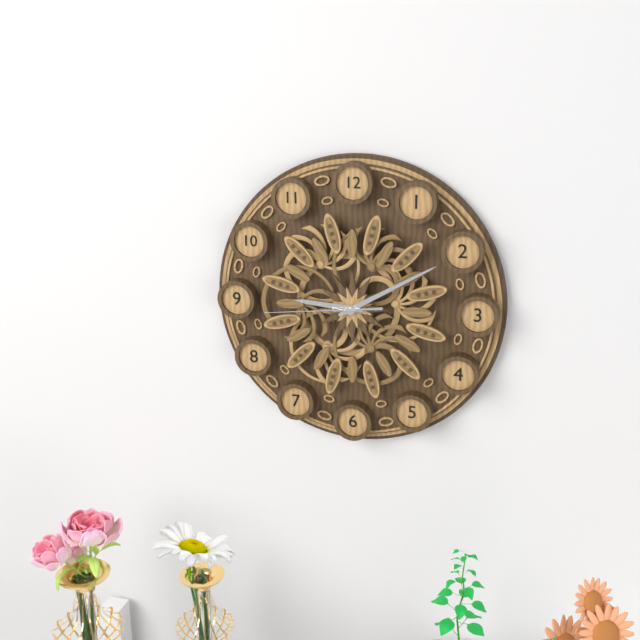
9:10:44
